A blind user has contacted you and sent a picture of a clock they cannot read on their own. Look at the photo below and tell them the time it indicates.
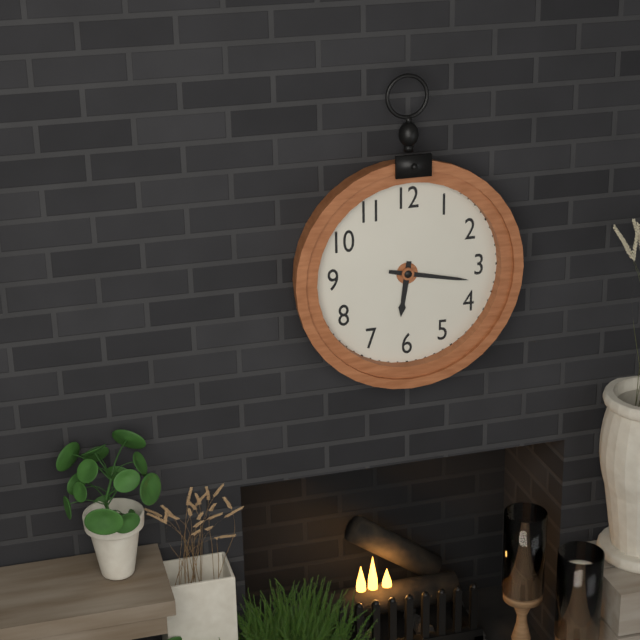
6:17
